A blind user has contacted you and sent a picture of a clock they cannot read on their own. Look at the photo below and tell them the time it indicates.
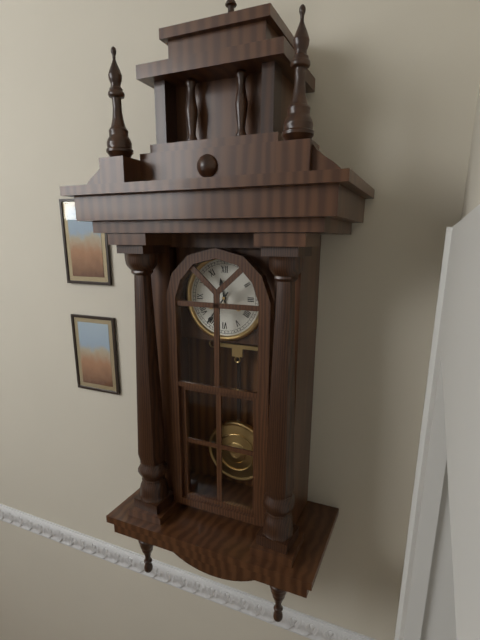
11:36
